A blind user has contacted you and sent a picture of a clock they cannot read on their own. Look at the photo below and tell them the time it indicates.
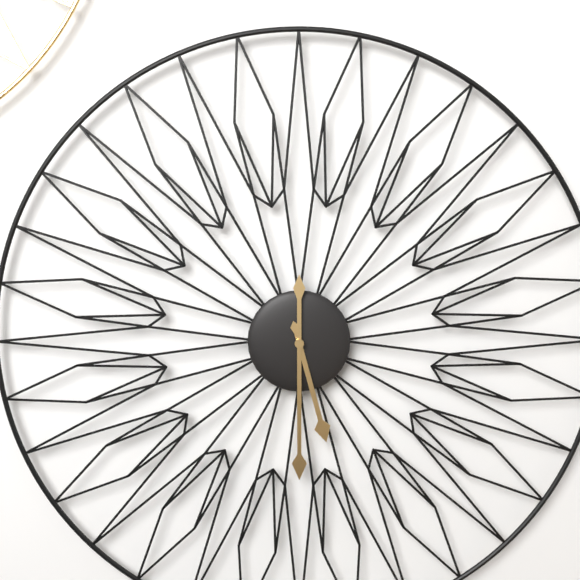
5:30
